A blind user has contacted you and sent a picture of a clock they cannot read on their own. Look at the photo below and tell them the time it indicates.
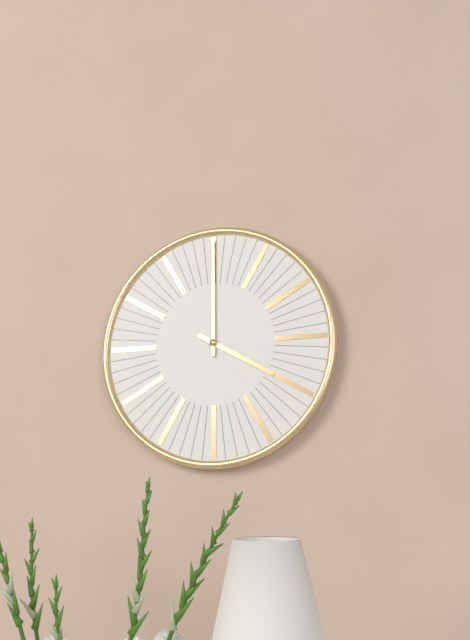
4:00
